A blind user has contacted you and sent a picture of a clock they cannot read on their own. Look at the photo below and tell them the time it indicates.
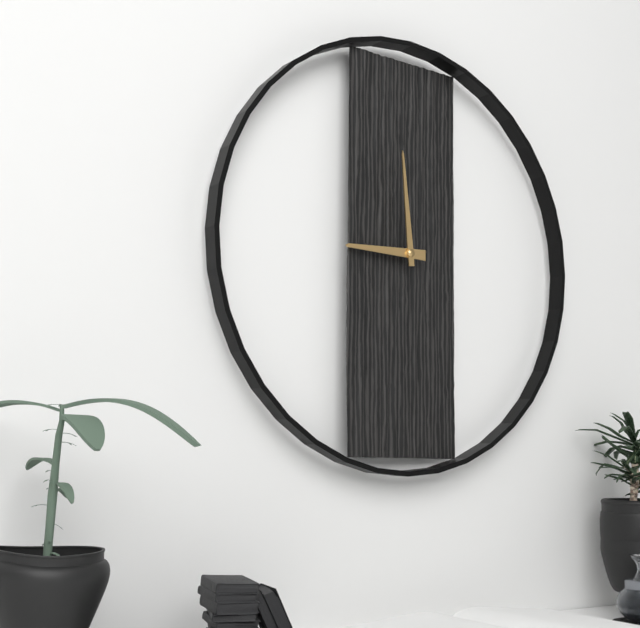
8:59
